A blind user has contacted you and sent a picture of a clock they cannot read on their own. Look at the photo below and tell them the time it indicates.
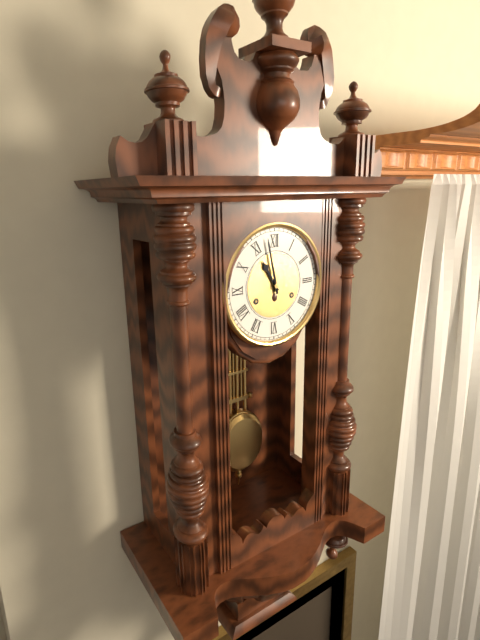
10:58
